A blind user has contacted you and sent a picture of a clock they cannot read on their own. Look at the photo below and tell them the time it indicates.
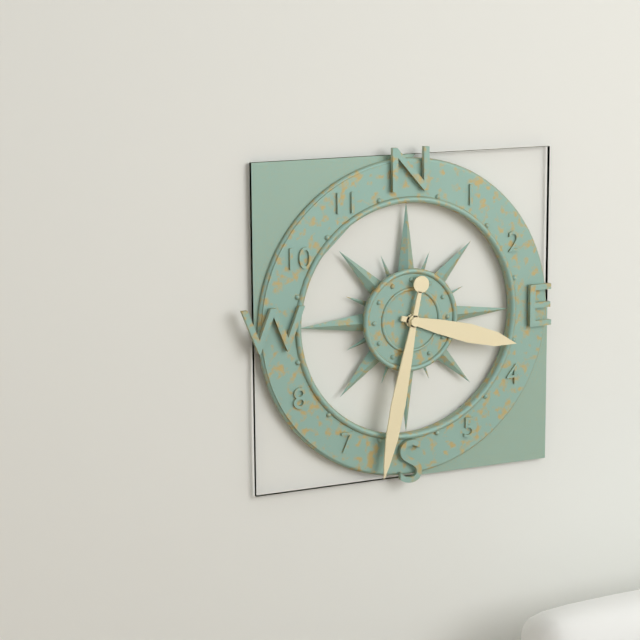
3:32
